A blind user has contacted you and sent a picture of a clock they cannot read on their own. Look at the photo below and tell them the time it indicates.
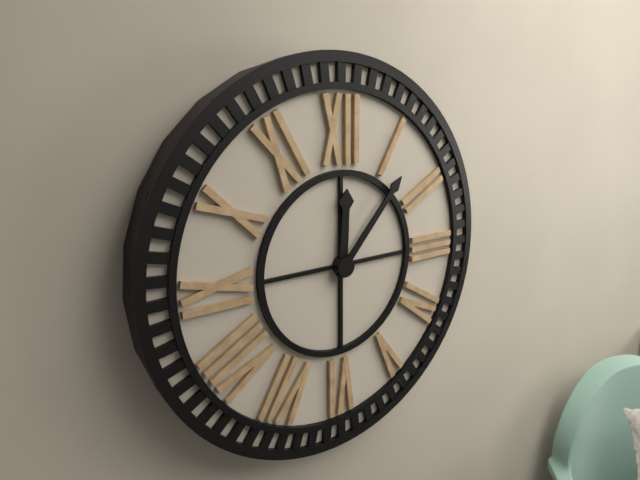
12:07
